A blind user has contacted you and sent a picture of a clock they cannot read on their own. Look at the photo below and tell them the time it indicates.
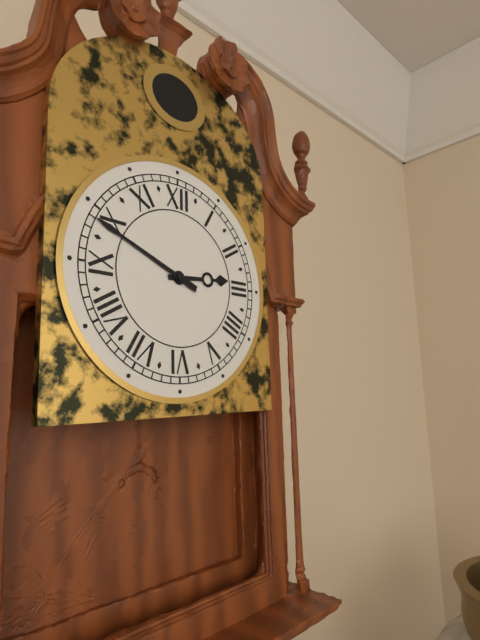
2:49
